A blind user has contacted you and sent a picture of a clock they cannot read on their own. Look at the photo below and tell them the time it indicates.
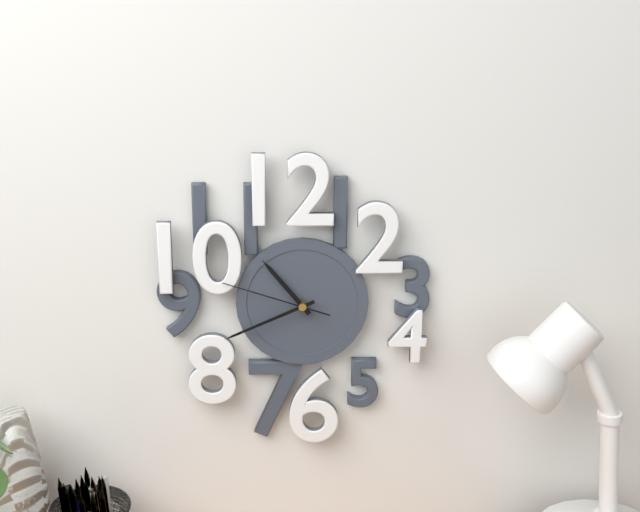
10:41:48
